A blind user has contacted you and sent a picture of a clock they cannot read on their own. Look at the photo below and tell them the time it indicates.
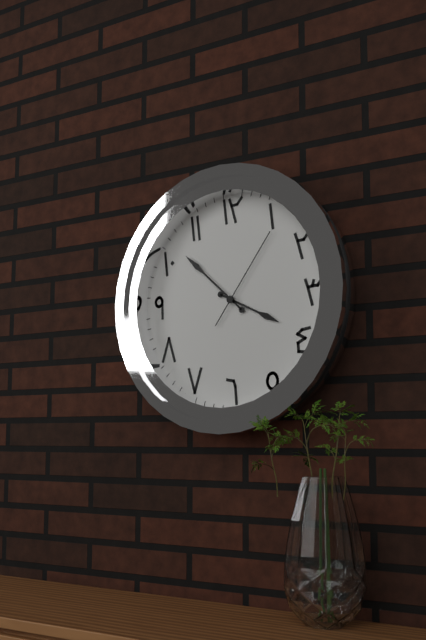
3:52:06
